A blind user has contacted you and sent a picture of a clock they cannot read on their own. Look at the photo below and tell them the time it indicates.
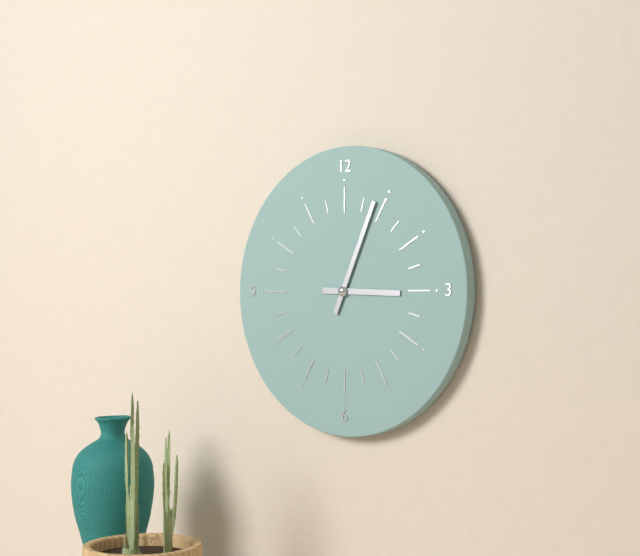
3:04
